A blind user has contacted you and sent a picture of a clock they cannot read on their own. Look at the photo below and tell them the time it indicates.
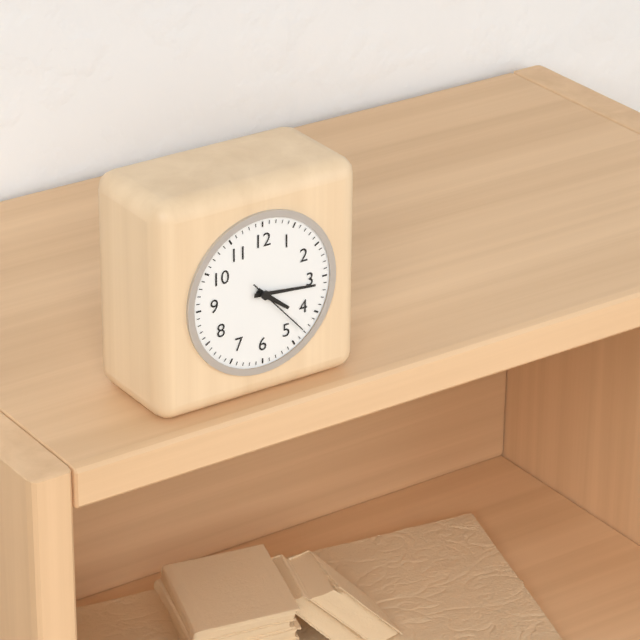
4:16:23
